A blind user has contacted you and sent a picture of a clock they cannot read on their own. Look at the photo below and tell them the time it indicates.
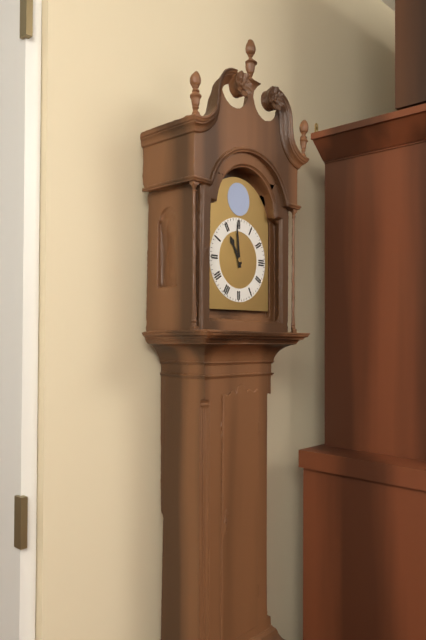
10:59
